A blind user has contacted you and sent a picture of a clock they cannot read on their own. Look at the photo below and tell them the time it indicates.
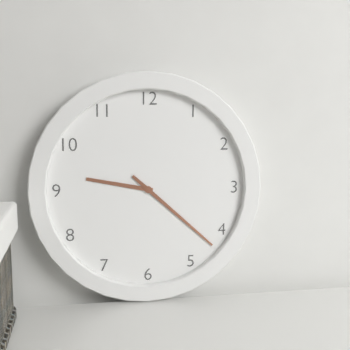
9:22
